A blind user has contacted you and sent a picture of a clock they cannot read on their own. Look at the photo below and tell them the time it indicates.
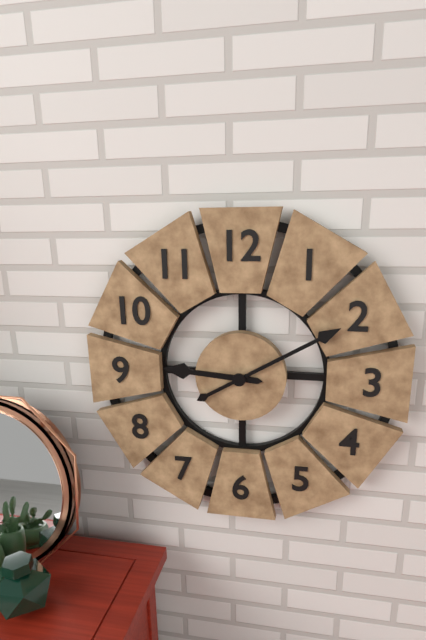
9:10
